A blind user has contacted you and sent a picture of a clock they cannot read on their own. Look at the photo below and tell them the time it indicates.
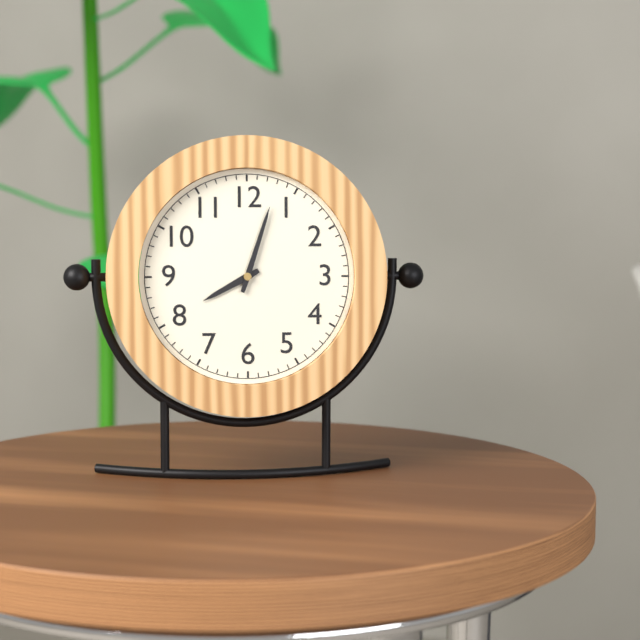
8:03
